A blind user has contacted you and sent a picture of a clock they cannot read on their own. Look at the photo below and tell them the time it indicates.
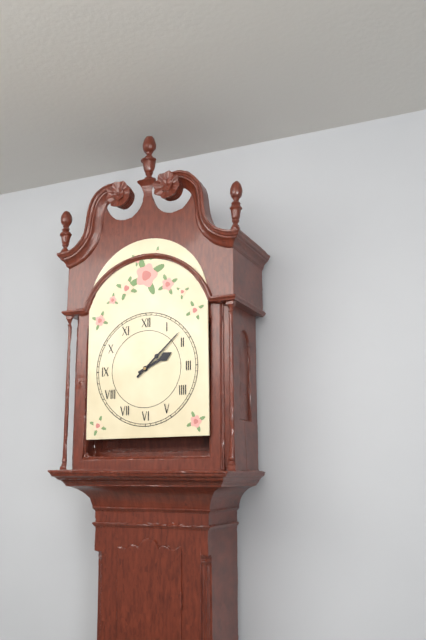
2:08
